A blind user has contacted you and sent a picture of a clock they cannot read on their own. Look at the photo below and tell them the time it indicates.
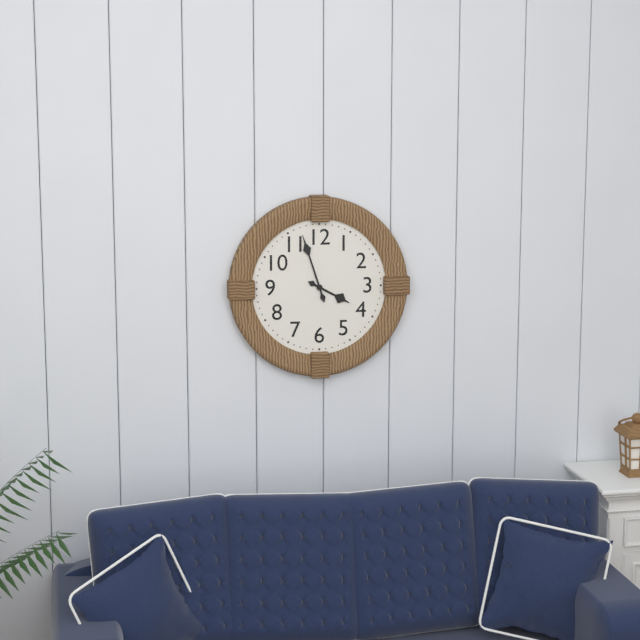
3:57
